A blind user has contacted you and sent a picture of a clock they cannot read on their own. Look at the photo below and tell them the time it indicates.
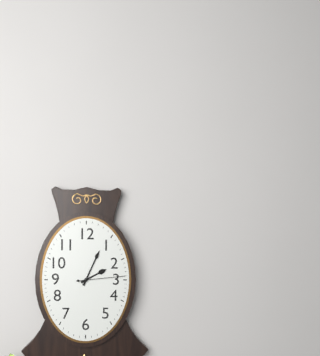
2:04:14
